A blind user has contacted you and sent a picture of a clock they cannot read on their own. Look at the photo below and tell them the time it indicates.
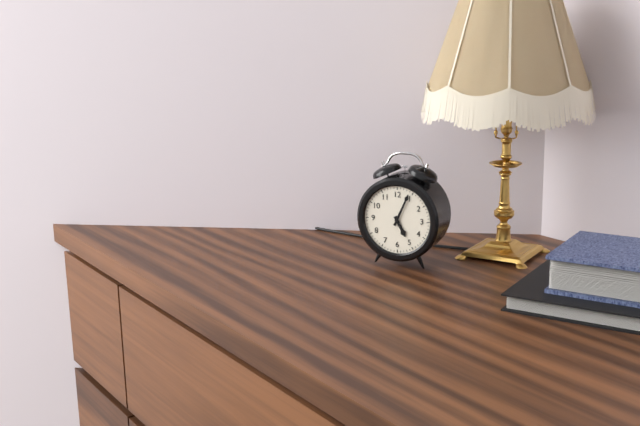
5:04
